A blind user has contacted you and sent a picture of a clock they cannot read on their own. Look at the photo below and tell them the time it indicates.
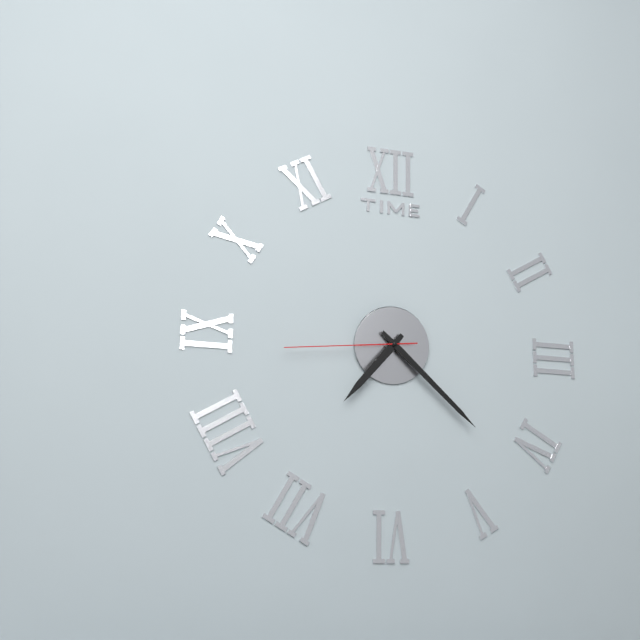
7:22:44
